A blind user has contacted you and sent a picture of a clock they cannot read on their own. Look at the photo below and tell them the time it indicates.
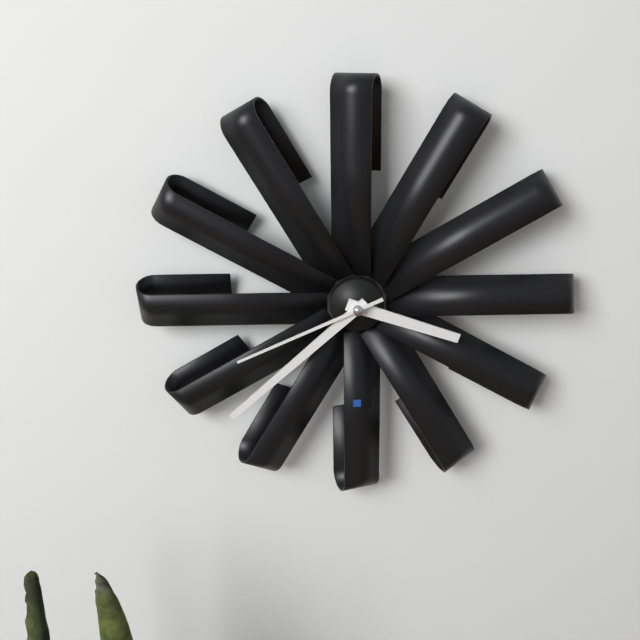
3:38:41
